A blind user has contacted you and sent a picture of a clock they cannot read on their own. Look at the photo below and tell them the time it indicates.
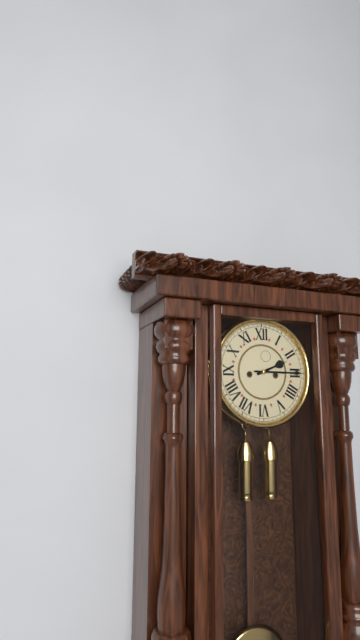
2:15
